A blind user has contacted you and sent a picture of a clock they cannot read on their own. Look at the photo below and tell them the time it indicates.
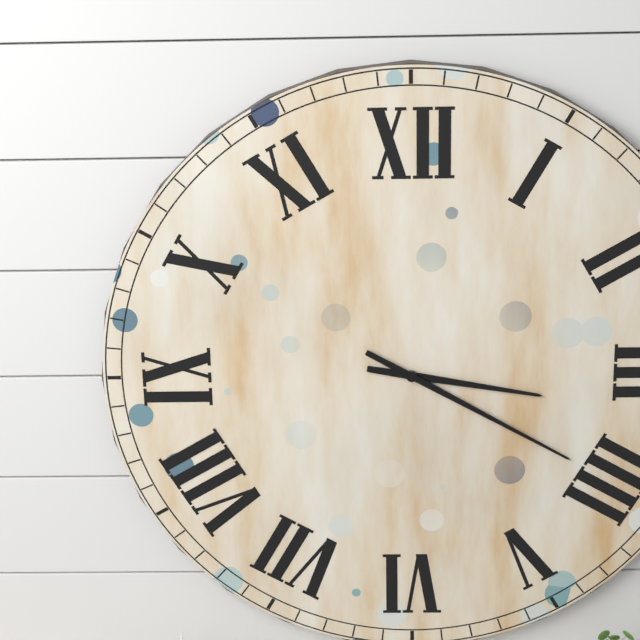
3:20
